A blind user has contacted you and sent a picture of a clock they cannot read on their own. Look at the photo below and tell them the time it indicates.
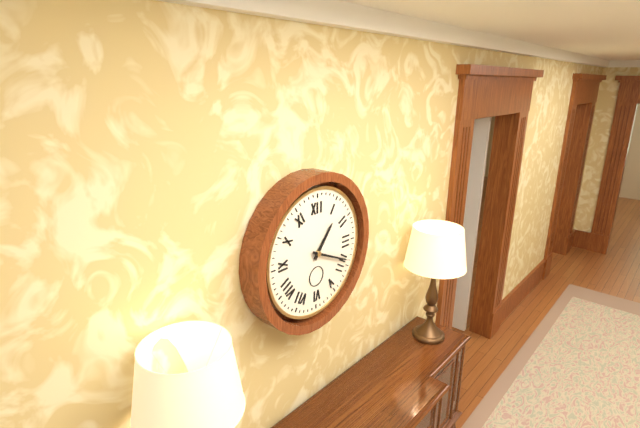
1:19
